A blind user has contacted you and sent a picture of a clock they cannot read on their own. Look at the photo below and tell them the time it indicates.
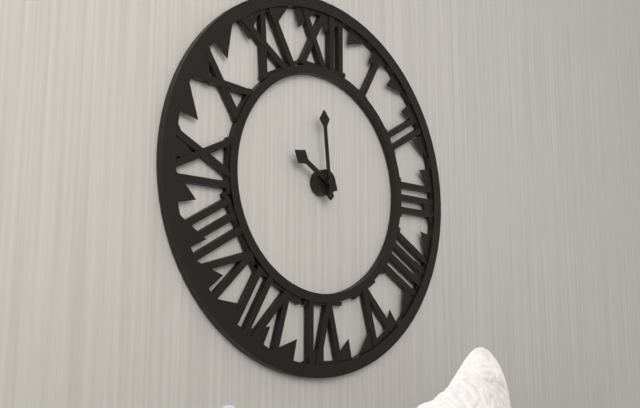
9:59
